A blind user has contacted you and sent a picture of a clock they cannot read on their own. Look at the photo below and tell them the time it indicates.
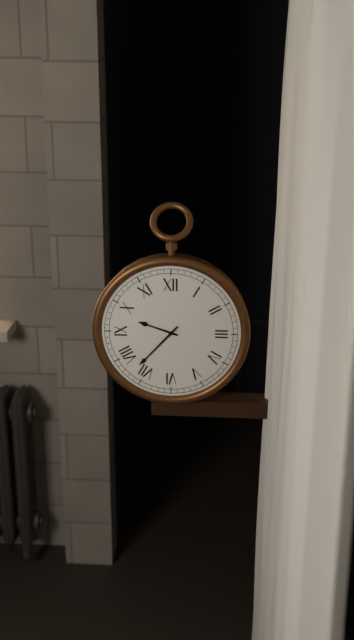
9:37
